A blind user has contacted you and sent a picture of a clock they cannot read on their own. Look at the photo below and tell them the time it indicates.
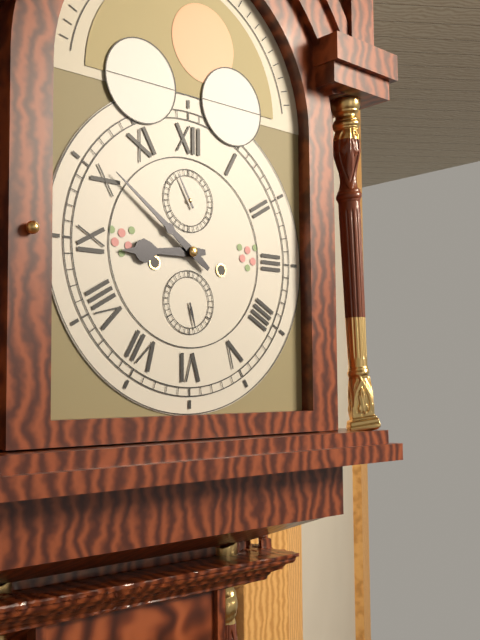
8:51
